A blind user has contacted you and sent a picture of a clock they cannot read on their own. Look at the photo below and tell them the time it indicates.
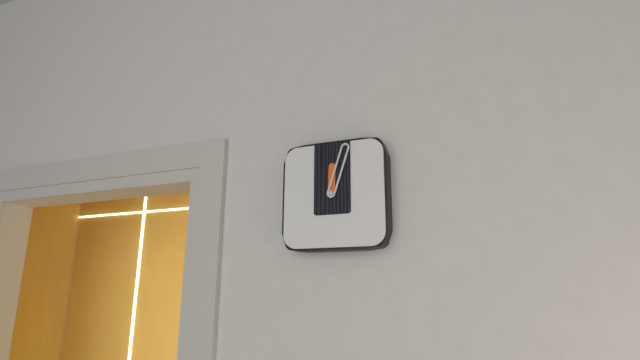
12:03
